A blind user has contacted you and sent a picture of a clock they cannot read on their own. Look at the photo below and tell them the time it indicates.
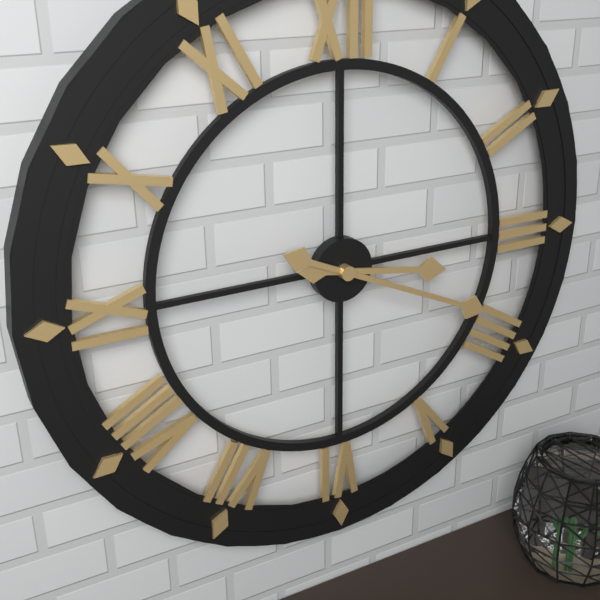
3:19
